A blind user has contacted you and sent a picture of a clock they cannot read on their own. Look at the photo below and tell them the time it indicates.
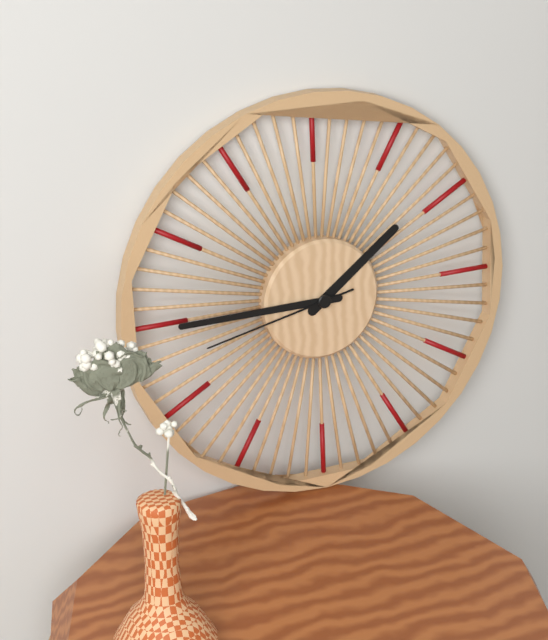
1:45:43
